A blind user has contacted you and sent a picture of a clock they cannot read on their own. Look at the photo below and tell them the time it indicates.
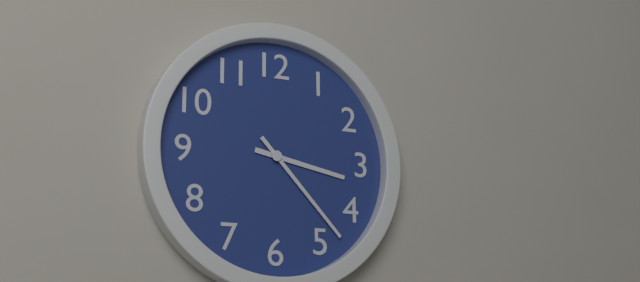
3:23
